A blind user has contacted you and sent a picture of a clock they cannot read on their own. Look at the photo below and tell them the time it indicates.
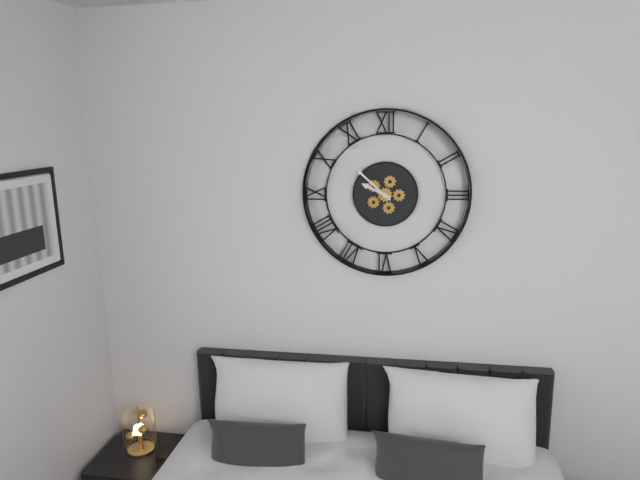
9:52
